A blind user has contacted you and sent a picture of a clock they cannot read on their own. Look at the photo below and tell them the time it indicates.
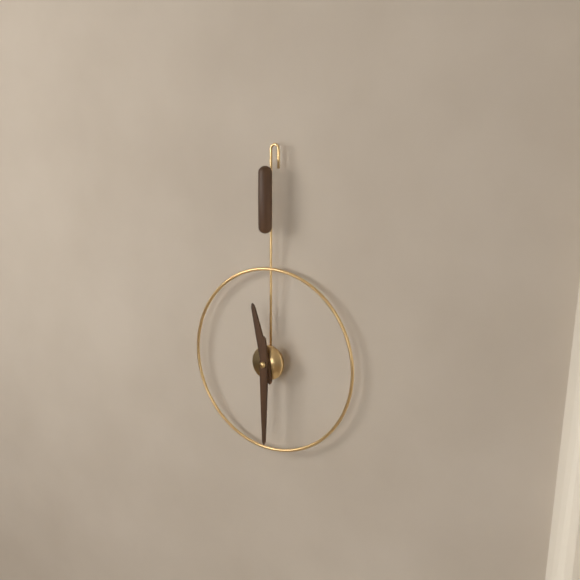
11:30
